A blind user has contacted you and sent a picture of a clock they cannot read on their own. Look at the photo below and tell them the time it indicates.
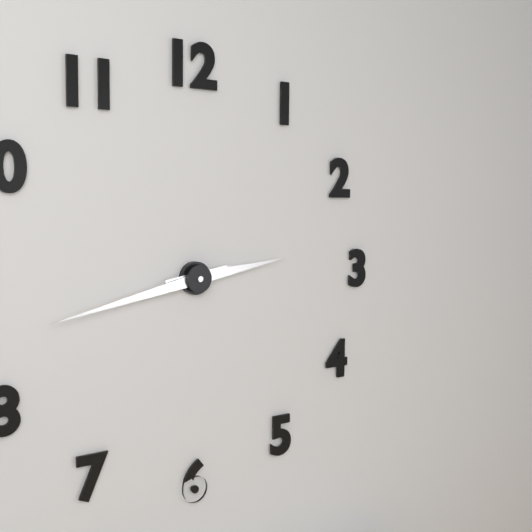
2:43
